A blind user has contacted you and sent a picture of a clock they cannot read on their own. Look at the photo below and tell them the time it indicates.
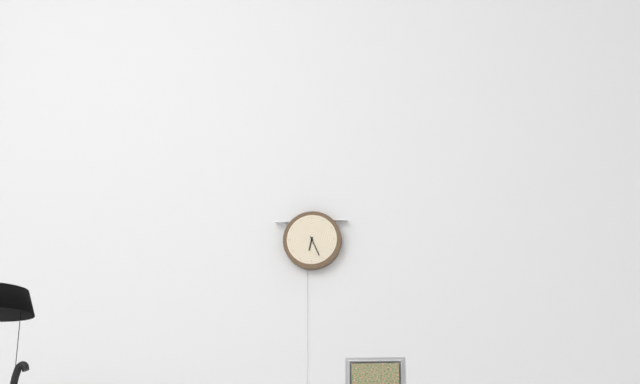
6:26
